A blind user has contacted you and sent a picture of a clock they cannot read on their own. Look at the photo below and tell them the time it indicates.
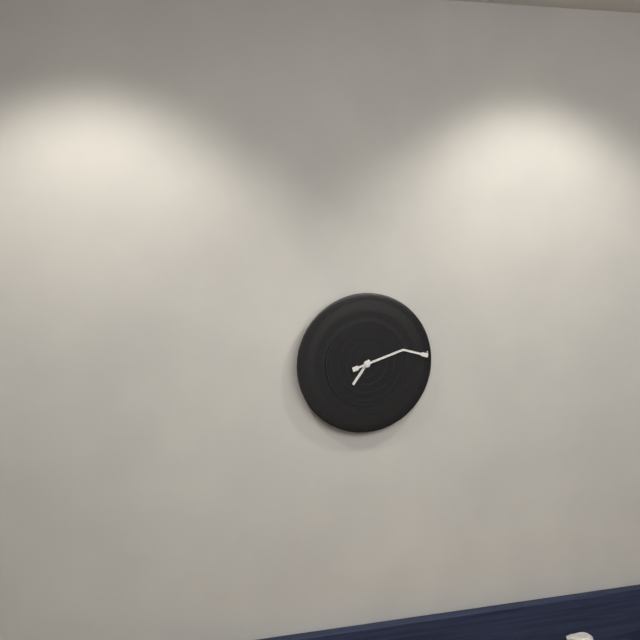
7:12
